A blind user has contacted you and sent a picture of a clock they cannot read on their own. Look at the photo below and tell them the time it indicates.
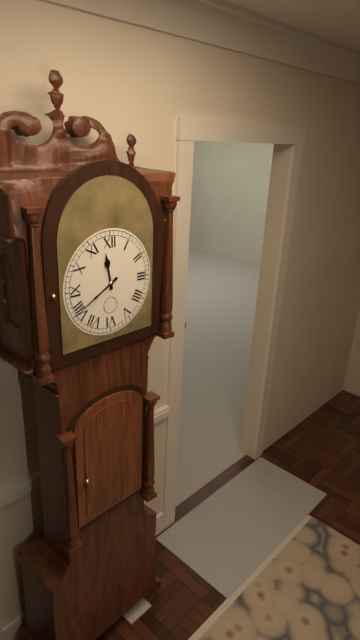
11:40
